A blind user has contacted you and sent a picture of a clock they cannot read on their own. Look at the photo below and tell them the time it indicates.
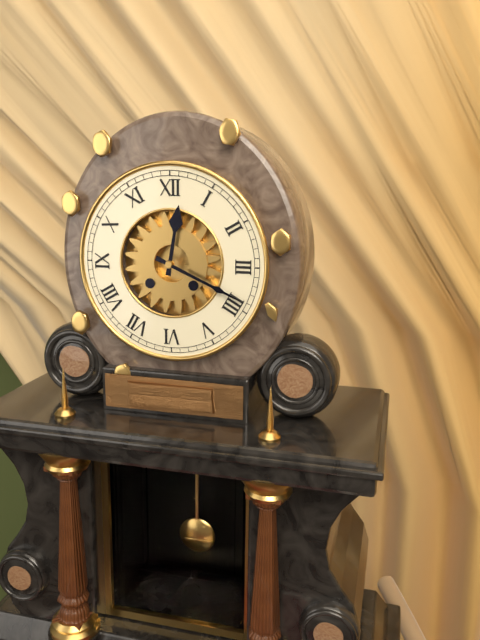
12:19
